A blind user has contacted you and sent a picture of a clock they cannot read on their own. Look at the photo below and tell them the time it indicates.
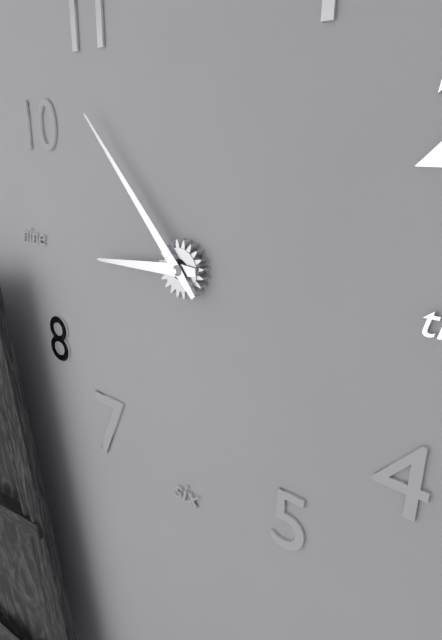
8:53
